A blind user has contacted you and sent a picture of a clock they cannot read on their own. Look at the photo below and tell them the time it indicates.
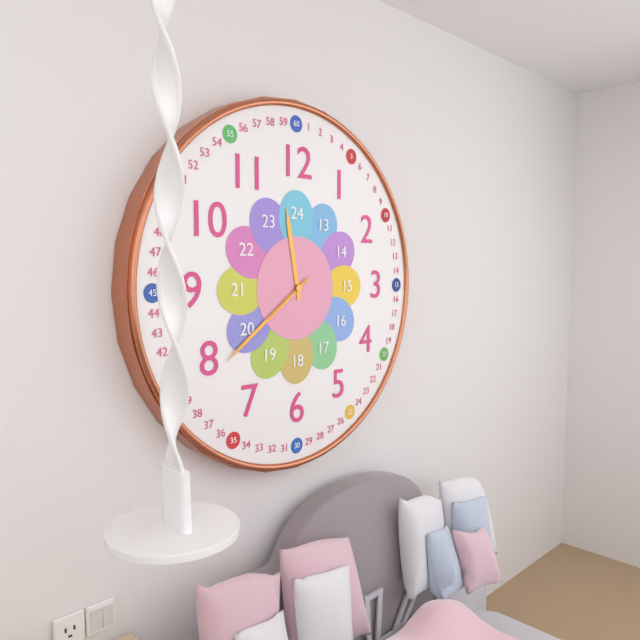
11:39:39
